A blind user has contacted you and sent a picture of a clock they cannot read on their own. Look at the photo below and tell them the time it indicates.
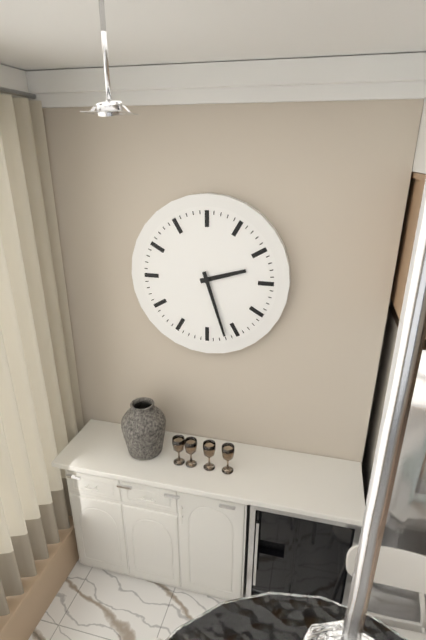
2:27
